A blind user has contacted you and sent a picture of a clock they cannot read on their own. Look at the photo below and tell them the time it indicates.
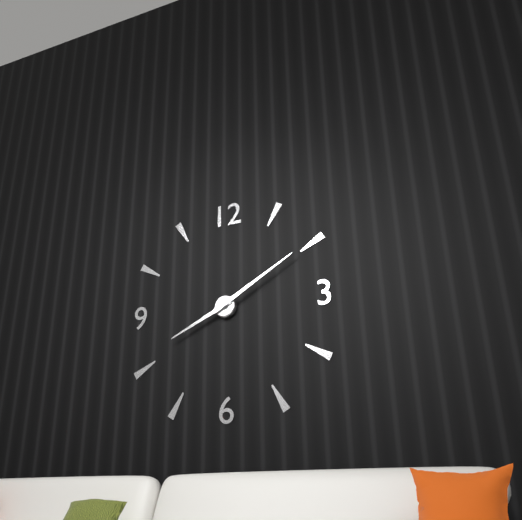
8:10
